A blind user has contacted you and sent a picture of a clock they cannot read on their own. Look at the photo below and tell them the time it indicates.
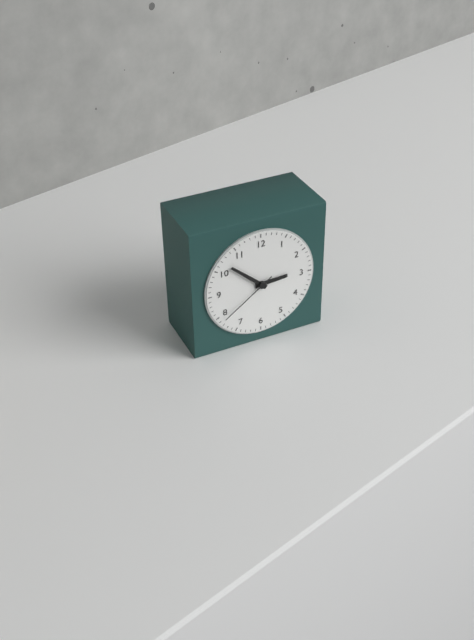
2:52:39
